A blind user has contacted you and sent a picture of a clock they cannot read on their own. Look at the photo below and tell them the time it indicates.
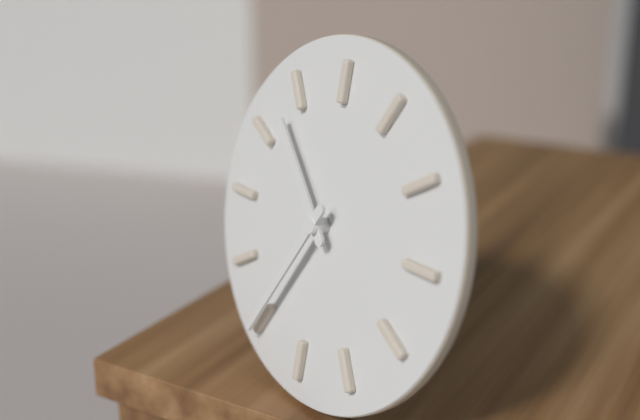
10:35
